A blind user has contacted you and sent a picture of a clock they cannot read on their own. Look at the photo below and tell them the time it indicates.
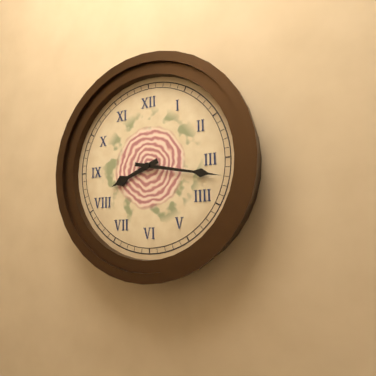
8:17
